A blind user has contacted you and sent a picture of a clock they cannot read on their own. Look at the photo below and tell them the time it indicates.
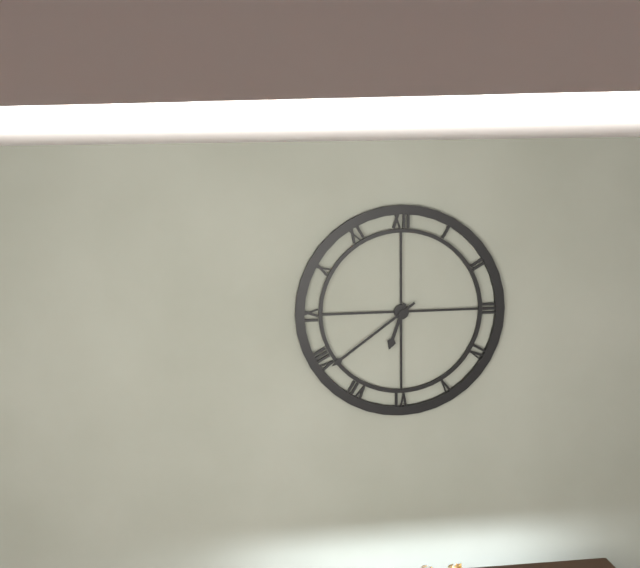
6:39
